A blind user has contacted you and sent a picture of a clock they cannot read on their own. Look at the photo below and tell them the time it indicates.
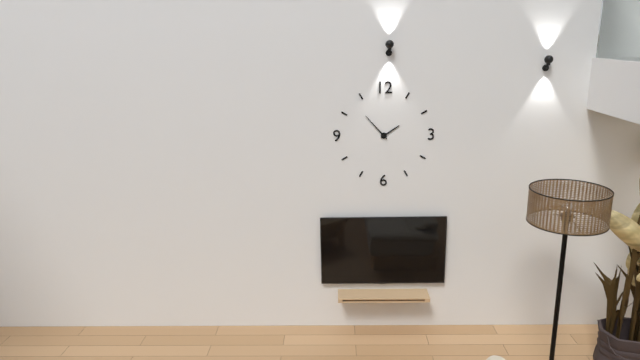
1:53
